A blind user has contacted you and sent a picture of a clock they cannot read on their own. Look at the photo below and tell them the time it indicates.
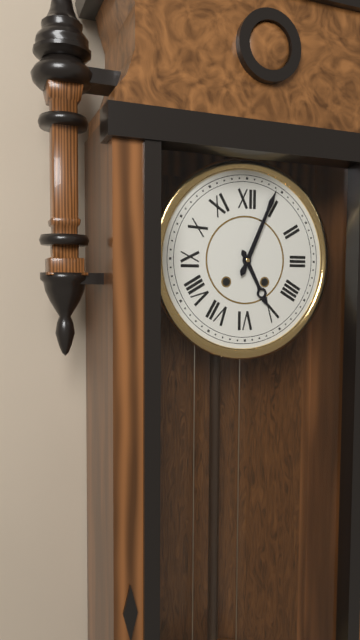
5:04
